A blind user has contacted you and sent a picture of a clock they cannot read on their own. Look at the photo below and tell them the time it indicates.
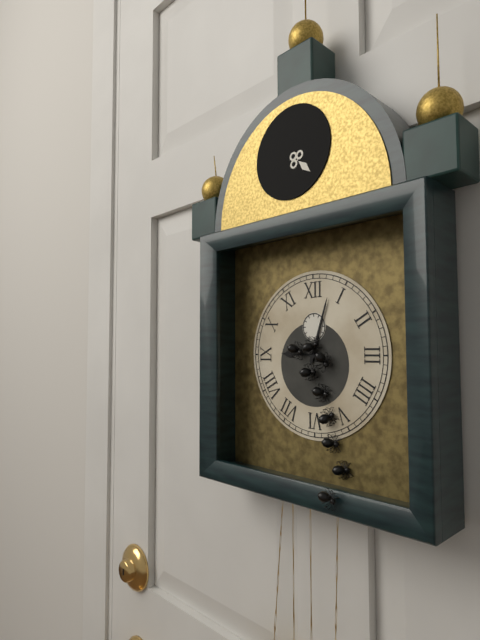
9:03
